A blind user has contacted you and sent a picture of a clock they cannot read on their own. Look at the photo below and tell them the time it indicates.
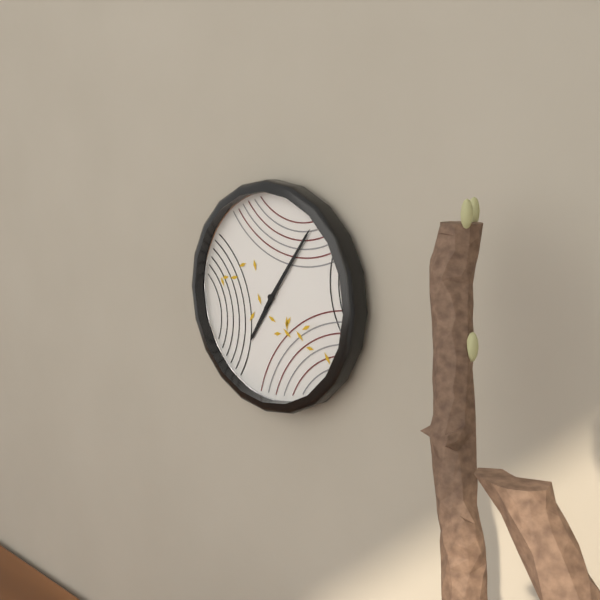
7:06
